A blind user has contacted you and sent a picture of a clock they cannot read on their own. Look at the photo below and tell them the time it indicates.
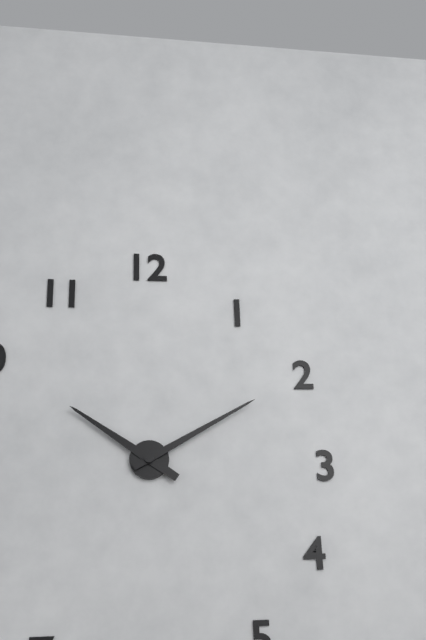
10:10
